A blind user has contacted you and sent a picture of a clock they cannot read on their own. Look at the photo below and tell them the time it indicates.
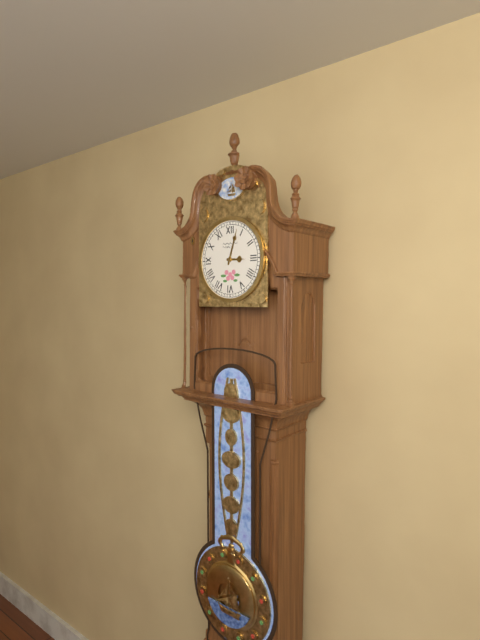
3:03
